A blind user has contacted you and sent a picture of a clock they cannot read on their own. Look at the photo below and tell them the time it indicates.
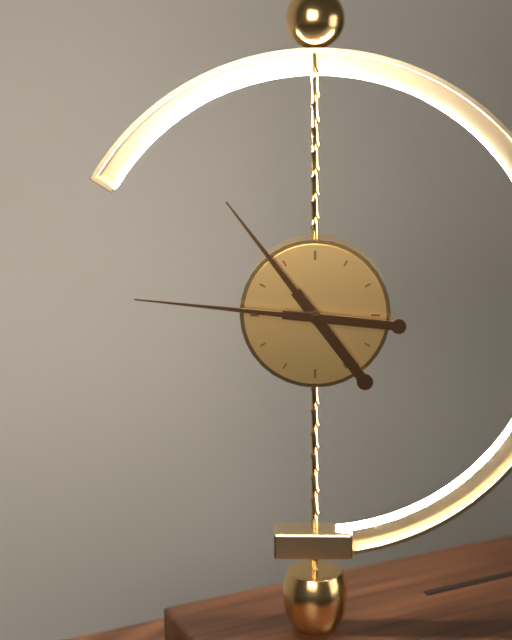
10:46
